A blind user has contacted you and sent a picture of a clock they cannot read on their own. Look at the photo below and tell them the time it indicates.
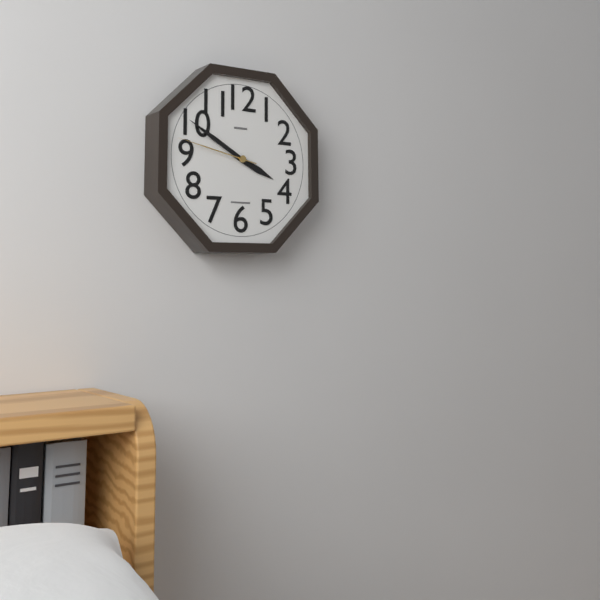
3:50:47
